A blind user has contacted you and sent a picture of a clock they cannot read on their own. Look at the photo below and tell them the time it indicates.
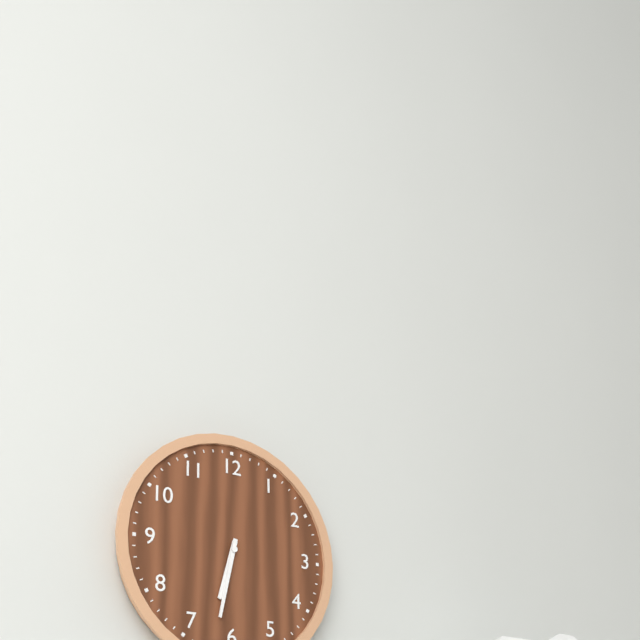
6:32
